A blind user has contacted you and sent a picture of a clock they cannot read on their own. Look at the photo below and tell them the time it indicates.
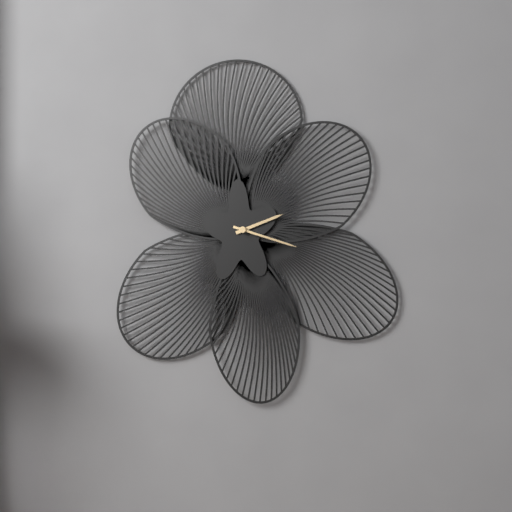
2:18
